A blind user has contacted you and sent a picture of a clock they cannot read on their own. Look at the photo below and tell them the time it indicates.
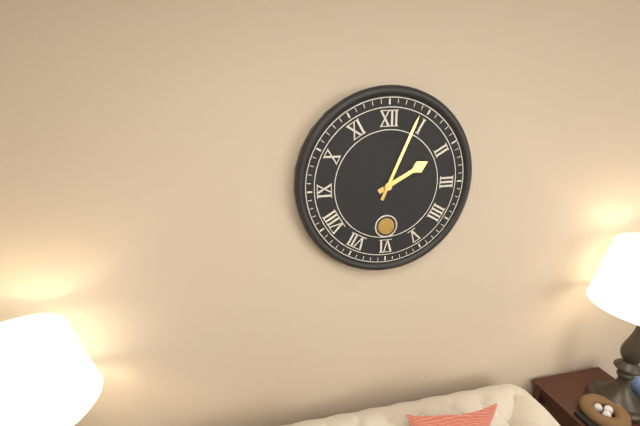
2:04
